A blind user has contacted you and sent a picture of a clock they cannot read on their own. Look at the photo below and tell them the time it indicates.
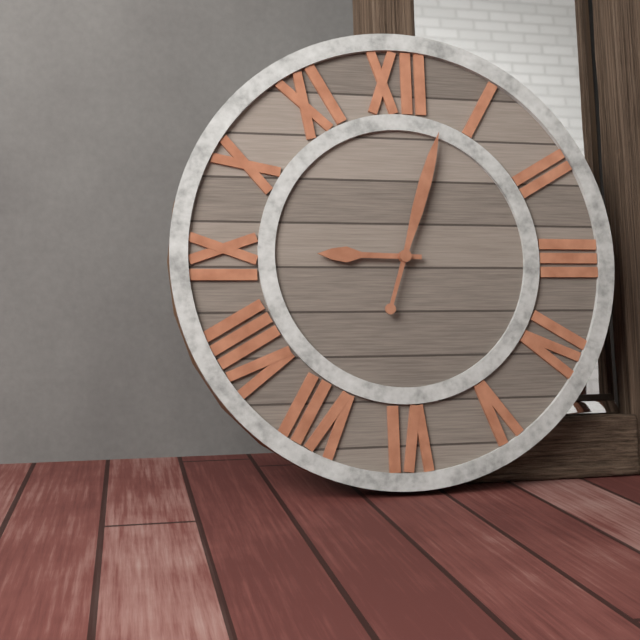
9:03
